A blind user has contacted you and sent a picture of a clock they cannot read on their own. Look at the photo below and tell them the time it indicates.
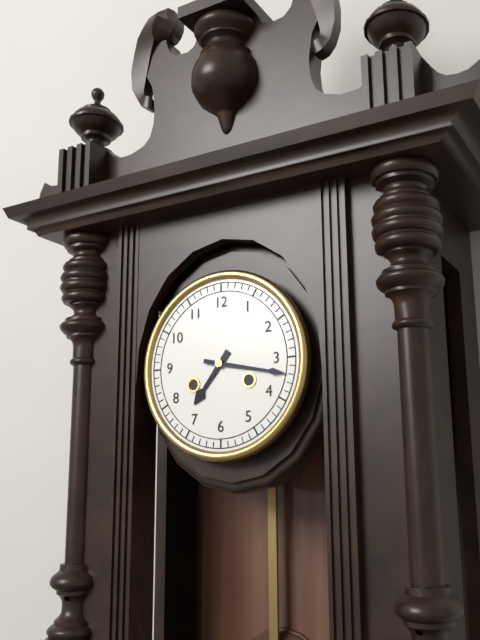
7:17
